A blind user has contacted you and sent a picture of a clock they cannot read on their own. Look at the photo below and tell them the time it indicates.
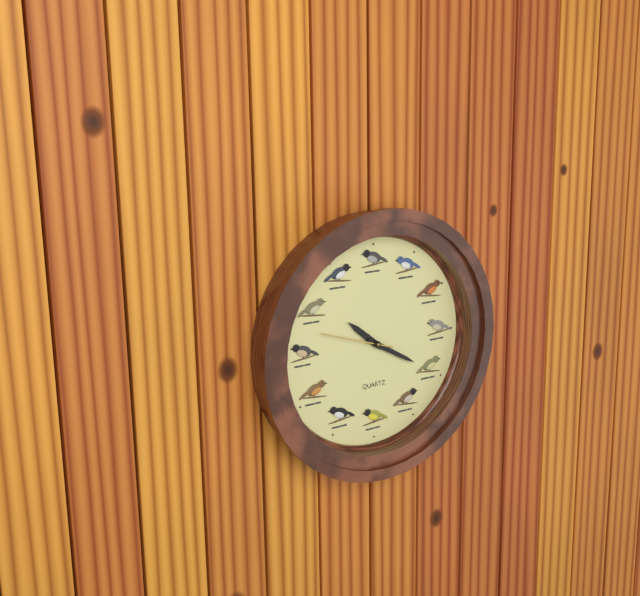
10:20:48
